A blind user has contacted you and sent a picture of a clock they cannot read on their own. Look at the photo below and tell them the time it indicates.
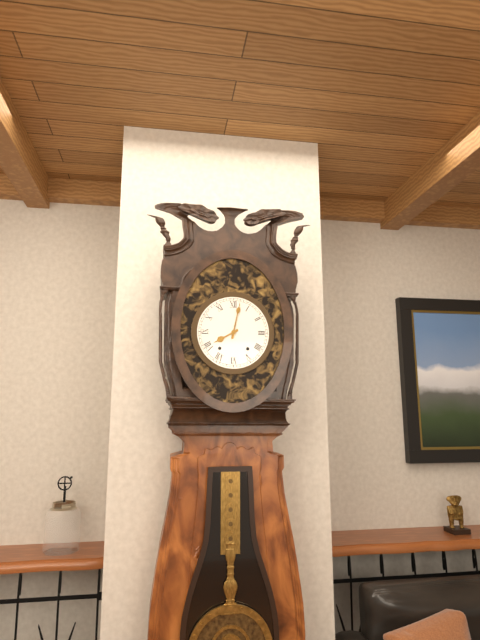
8:02
